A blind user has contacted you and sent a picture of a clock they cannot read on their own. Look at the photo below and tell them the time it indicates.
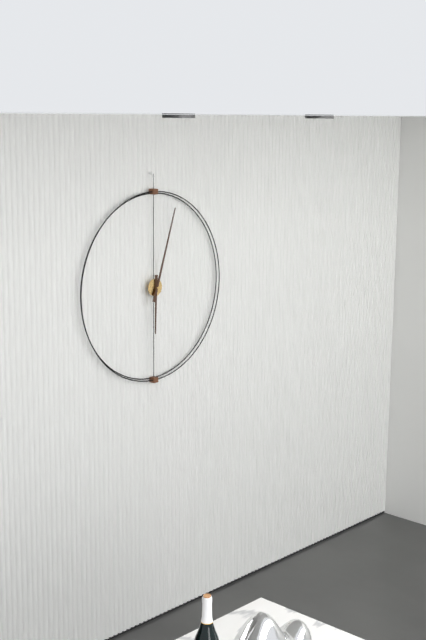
6:03
